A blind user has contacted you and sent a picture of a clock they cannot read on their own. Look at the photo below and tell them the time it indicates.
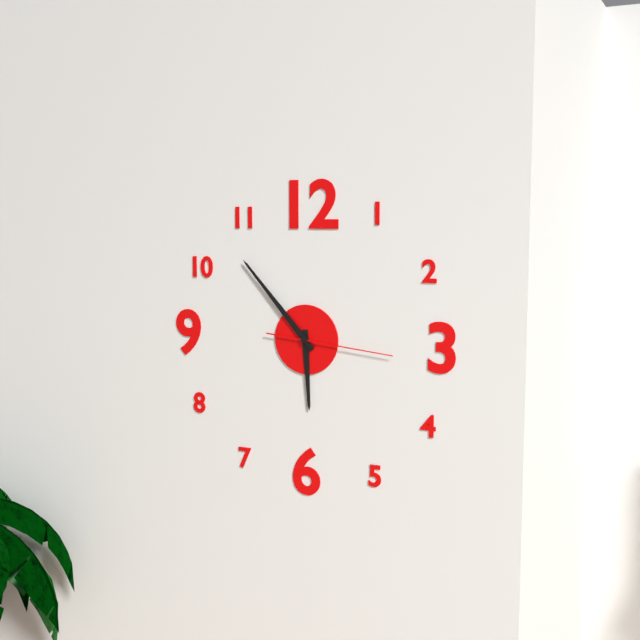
5:53:16
